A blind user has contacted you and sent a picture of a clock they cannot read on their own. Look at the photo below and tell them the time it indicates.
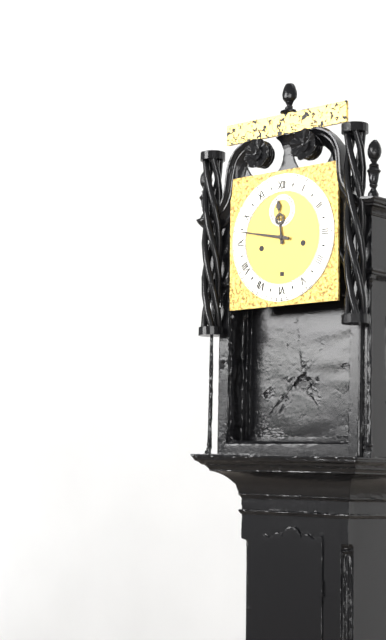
11:47
